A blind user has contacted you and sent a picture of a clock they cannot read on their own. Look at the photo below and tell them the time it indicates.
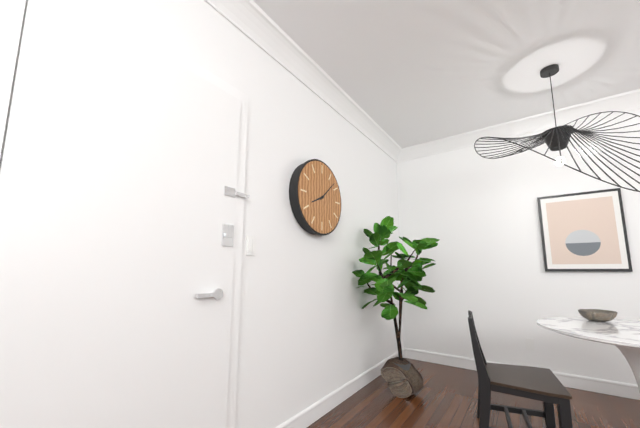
8:08
